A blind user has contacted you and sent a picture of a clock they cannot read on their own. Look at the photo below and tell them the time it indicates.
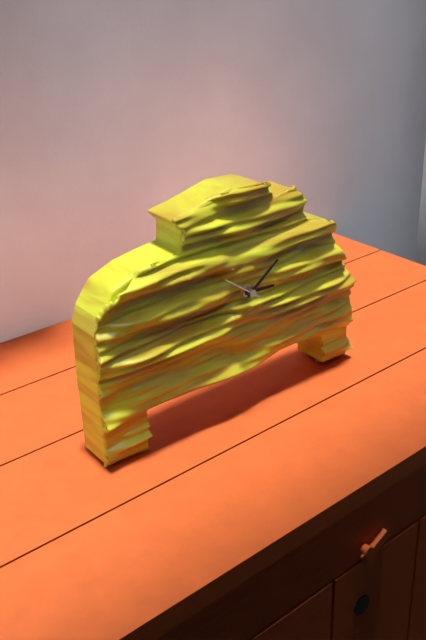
3:09
